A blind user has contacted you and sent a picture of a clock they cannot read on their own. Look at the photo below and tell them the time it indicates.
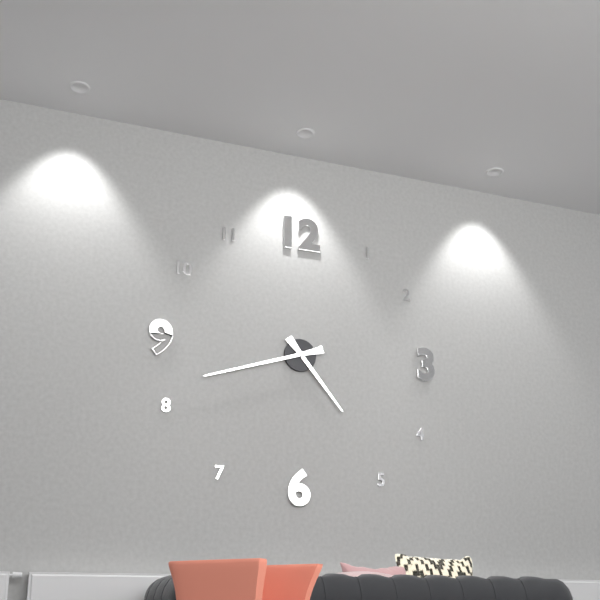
4:42
